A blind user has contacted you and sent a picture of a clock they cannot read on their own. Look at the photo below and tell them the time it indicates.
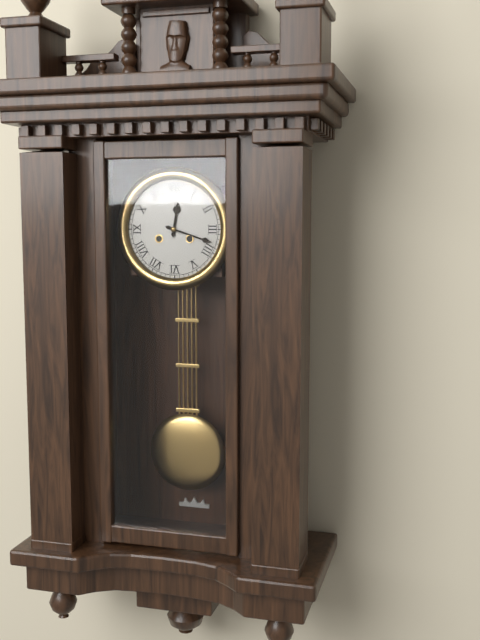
12:18
